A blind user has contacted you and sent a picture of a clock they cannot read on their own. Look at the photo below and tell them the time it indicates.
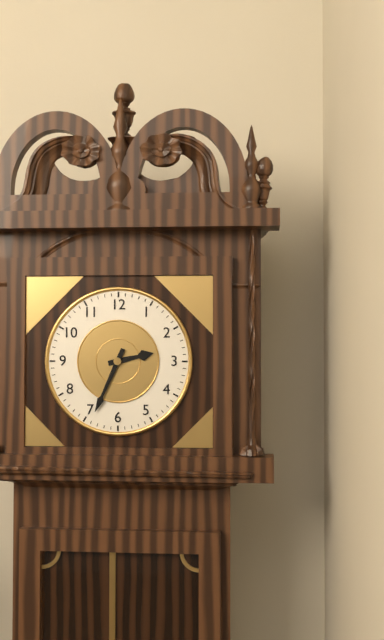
2:34
